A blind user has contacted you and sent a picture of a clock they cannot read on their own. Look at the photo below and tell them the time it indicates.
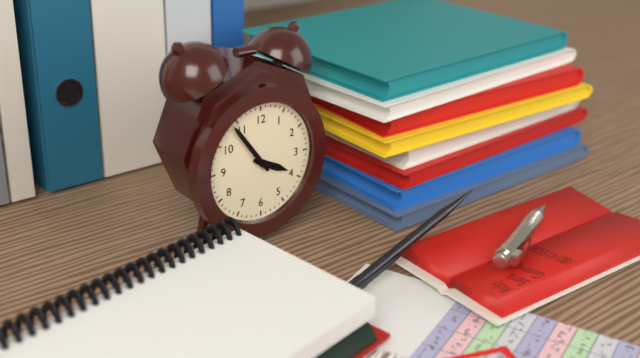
3:54
